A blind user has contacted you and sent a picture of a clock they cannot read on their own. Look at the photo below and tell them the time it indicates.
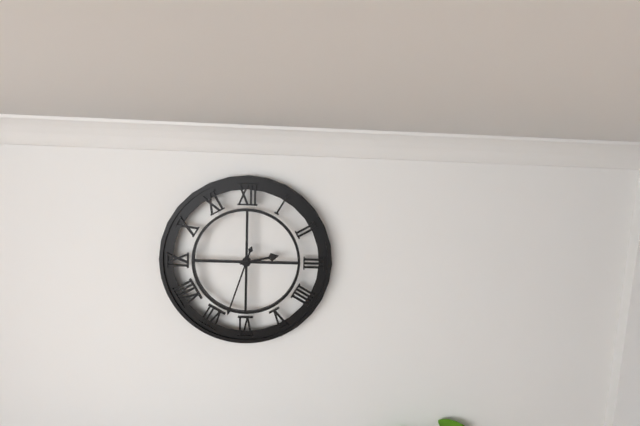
2:33
